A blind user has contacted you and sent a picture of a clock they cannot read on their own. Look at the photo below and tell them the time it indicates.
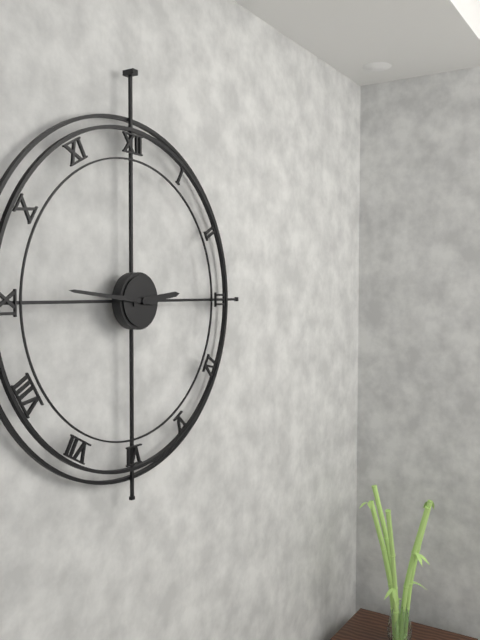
2:46
